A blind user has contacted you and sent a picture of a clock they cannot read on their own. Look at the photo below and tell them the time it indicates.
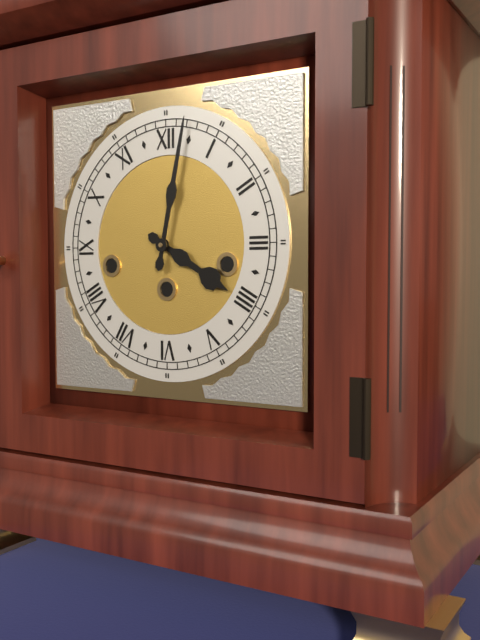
4:02
